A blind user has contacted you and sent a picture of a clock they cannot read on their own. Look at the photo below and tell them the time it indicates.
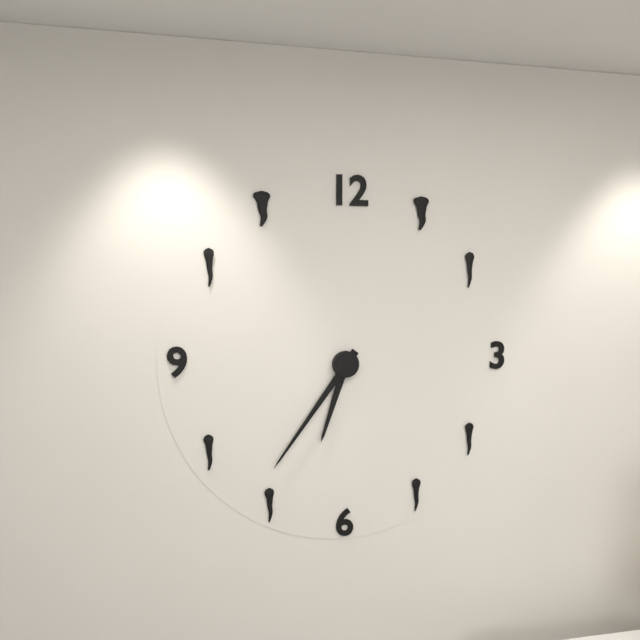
6:36
